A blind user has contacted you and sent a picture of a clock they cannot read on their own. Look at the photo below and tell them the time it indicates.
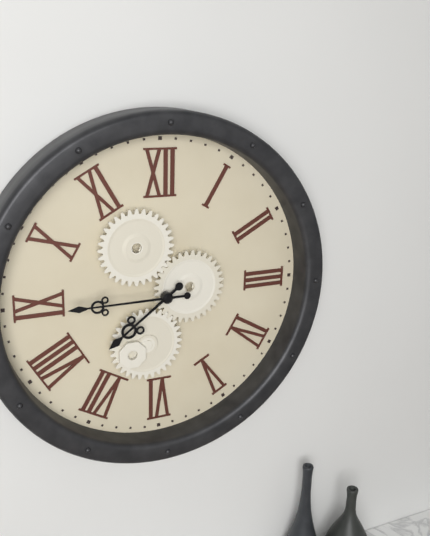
7:45
